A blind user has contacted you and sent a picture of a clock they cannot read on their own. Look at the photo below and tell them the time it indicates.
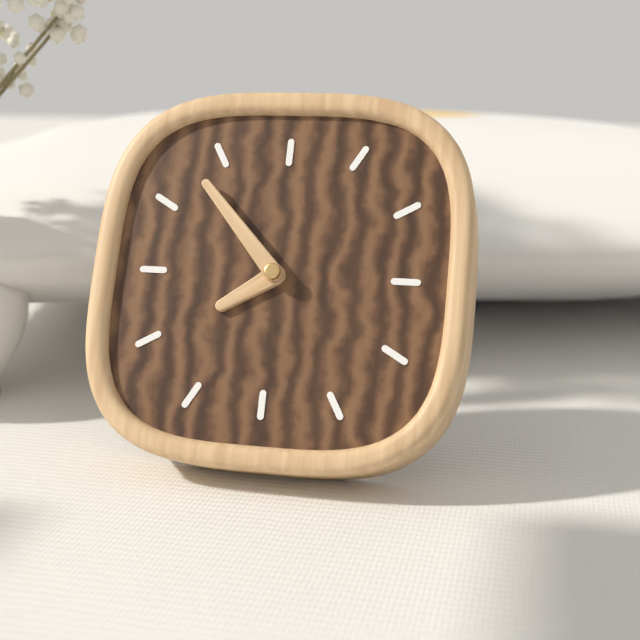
7:53
